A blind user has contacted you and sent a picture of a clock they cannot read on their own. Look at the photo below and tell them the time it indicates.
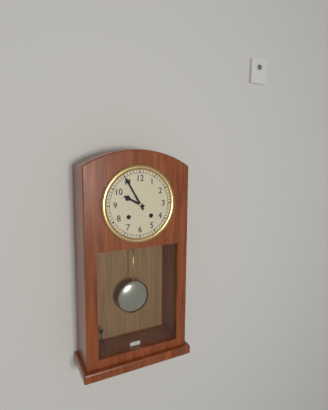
9:55
